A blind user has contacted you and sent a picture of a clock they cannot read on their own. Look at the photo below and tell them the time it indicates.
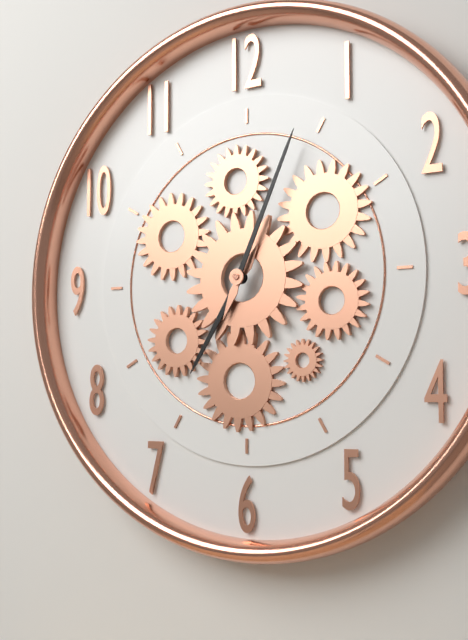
7:04
